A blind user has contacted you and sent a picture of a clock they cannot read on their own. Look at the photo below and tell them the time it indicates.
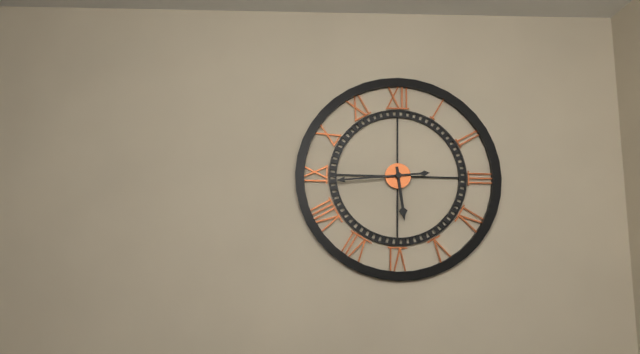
5:44
